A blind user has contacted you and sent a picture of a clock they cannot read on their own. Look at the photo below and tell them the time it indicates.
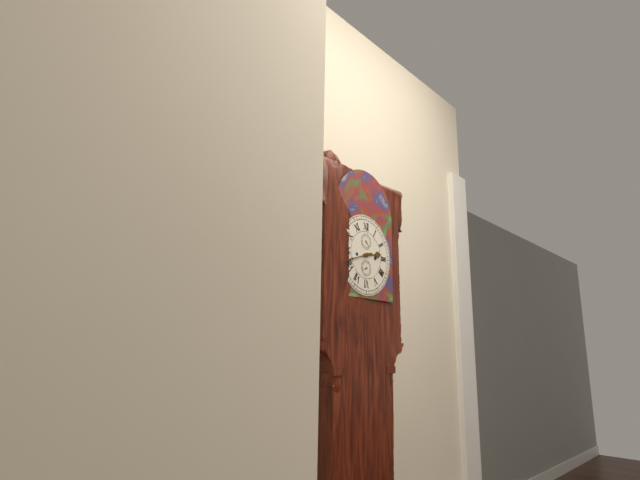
2:42
